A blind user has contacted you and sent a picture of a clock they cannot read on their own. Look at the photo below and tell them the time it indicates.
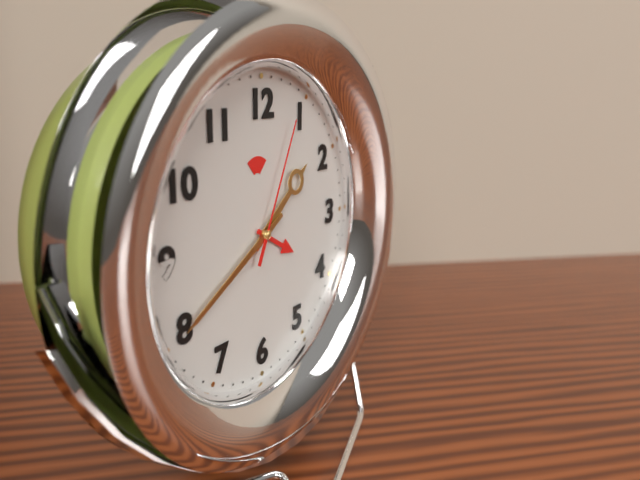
1:40:04
